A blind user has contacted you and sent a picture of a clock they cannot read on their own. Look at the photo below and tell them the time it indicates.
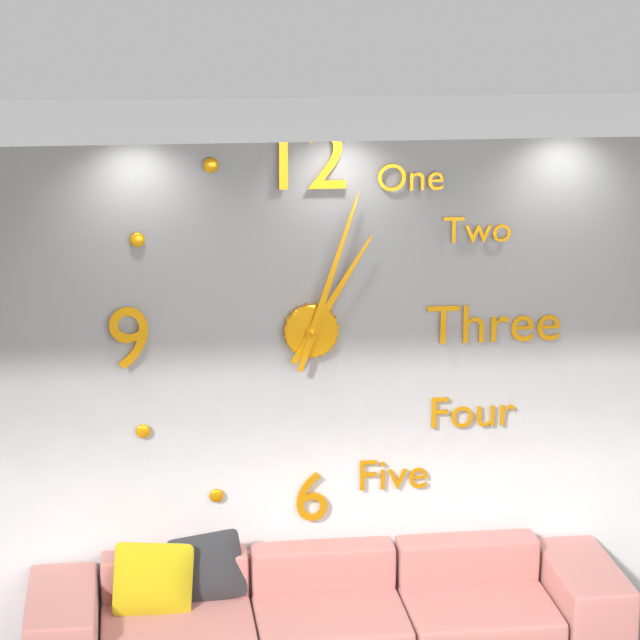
1:03
